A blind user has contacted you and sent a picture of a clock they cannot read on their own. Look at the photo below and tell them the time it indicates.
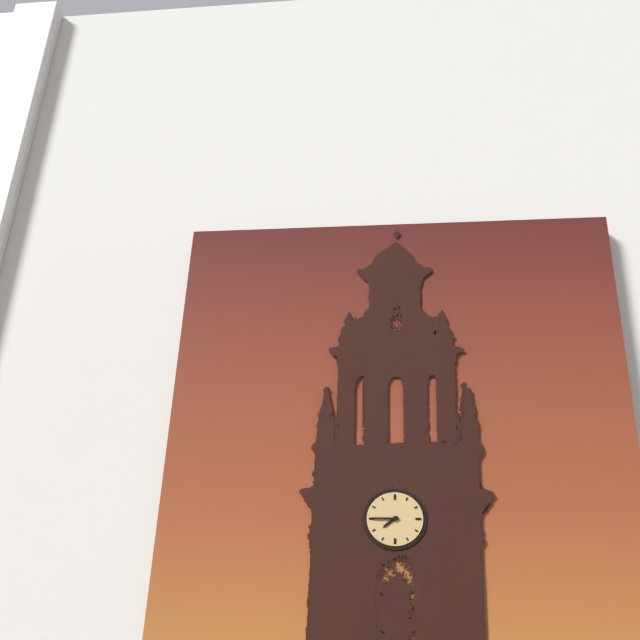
7:45
